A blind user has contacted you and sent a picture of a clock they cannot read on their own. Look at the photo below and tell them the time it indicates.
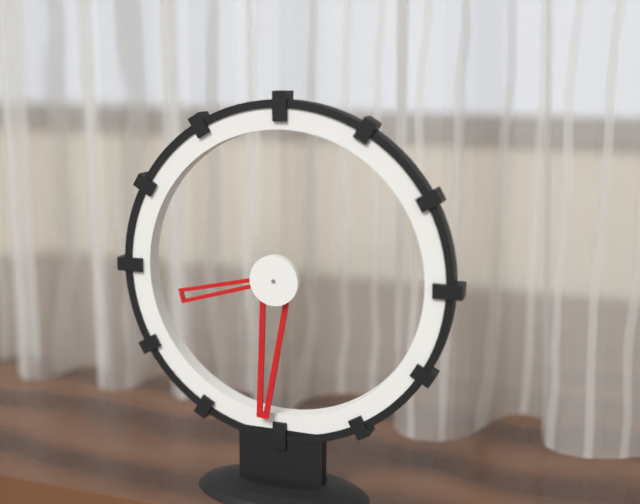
8:31
